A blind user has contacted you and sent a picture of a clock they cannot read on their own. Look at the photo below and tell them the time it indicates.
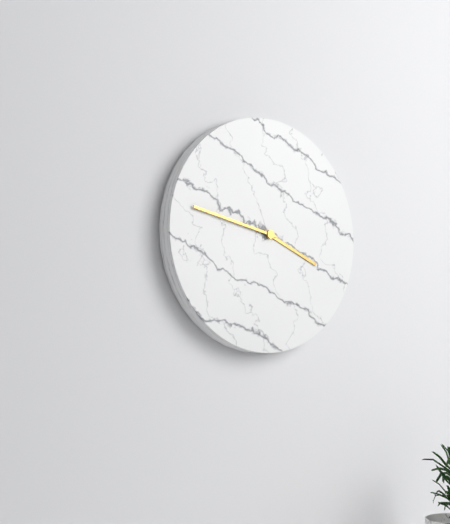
3:47
